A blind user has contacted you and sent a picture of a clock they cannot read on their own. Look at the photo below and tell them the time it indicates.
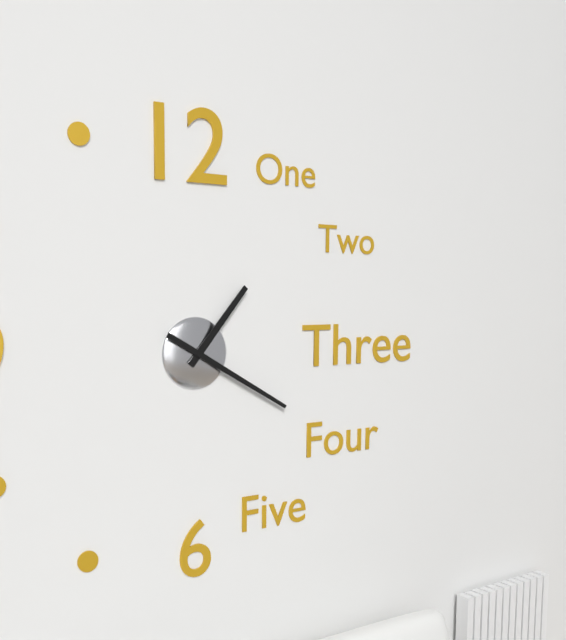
1:20
